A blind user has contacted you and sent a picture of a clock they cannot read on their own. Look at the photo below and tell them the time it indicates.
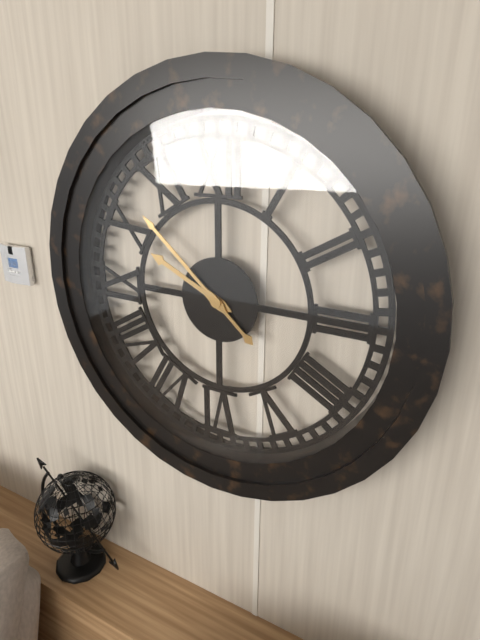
9:52
